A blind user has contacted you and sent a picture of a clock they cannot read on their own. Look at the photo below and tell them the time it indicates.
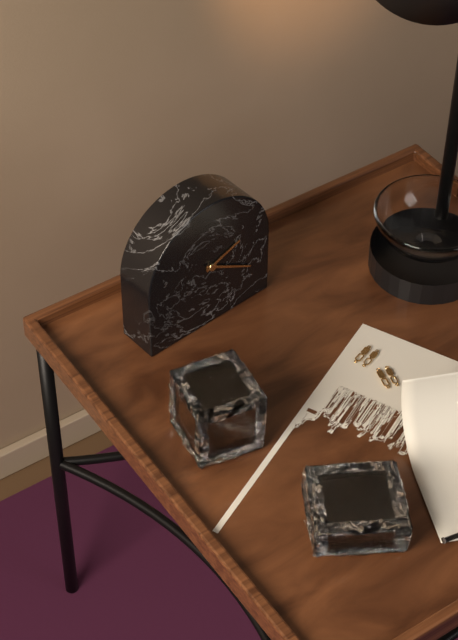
2:20
